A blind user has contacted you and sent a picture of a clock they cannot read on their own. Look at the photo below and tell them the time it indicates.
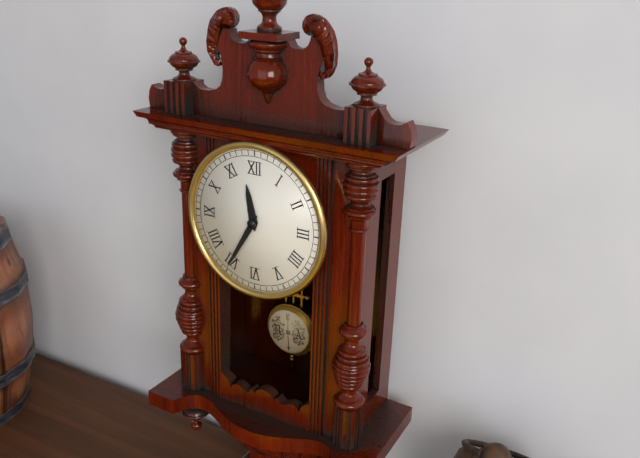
11:35
